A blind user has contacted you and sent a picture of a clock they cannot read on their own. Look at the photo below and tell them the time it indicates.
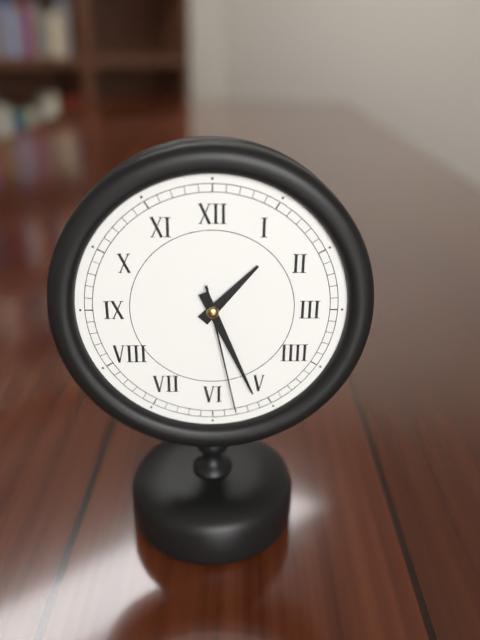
1:26:28
